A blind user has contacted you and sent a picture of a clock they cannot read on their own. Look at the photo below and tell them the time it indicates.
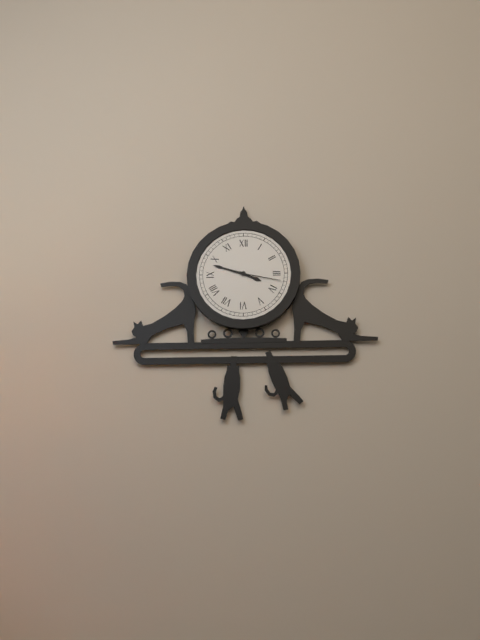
3:48
